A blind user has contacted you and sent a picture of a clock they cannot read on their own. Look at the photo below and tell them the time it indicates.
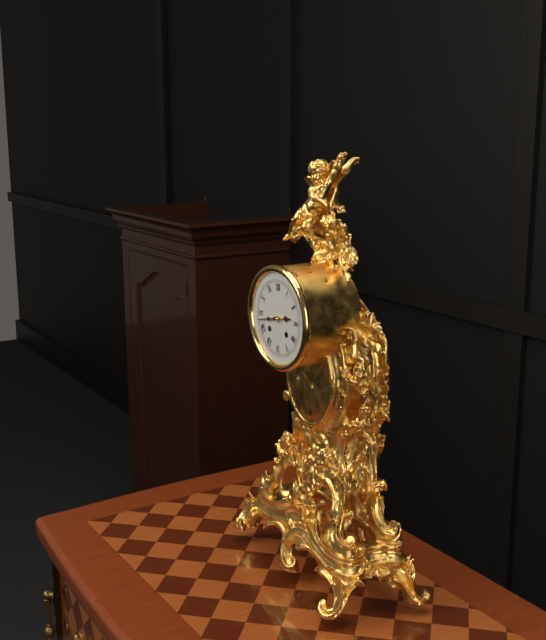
2:43
